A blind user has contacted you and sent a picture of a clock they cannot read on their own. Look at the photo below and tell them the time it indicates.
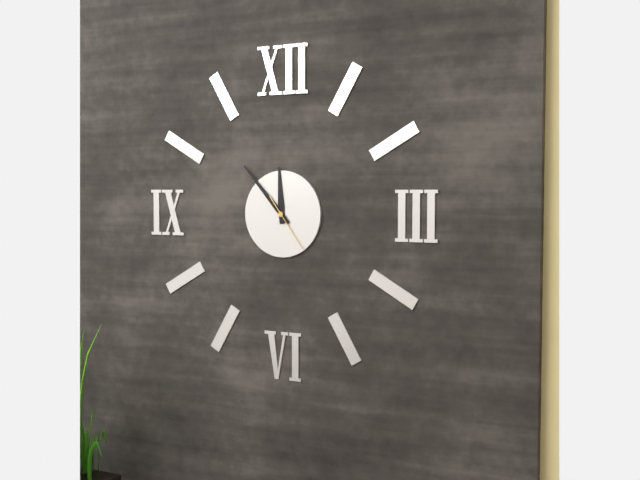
11:53
